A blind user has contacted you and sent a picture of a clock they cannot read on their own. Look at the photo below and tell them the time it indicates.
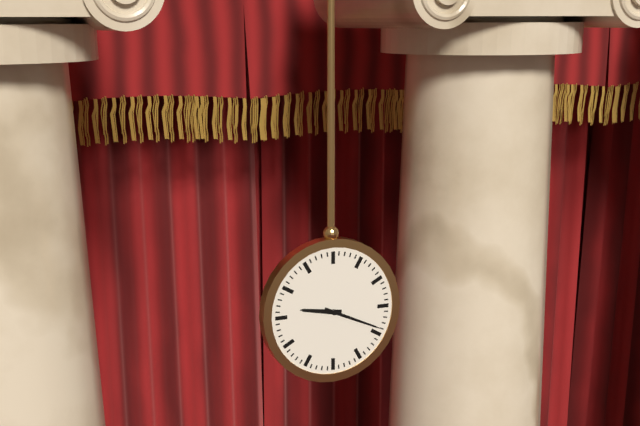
9:19
